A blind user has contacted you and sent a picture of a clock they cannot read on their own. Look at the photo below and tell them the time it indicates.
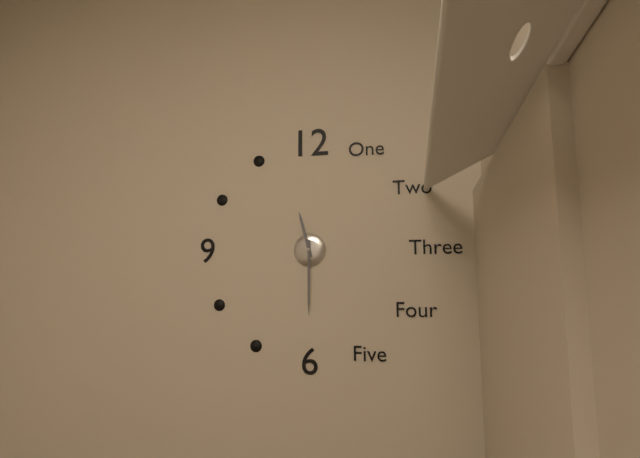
11:30
